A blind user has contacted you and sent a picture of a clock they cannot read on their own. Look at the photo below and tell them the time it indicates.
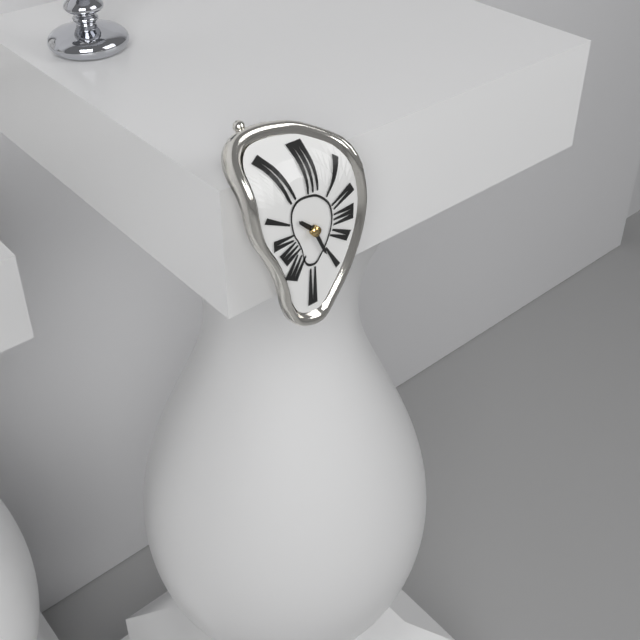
10:26
